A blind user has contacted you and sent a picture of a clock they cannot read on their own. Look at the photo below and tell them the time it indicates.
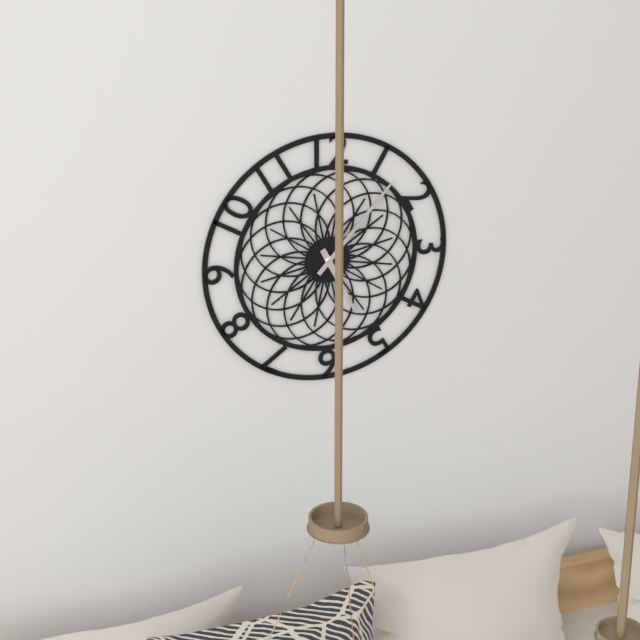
5:07
